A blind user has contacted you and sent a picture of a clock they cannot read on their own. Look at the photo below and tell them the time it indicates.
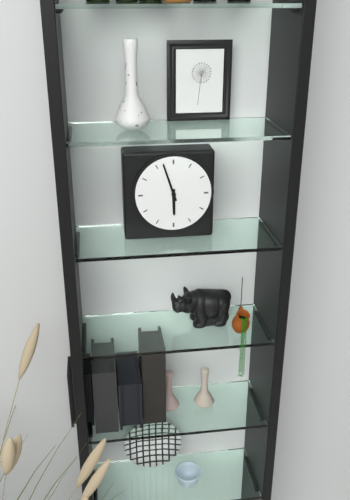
5:57
